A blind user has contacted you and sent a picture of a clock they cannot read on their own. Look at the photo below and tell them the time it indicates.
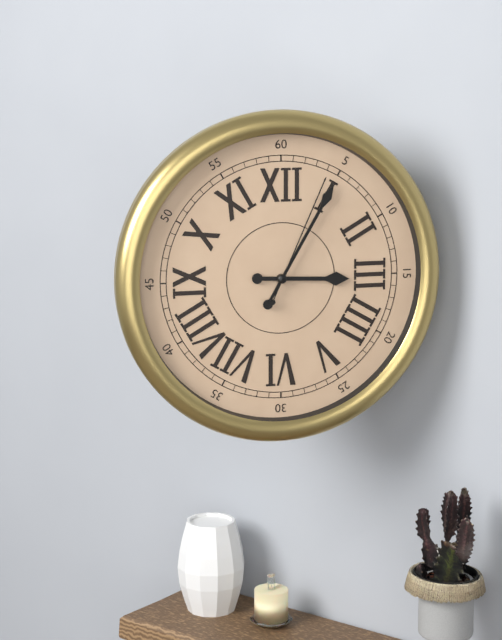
3:05:04
